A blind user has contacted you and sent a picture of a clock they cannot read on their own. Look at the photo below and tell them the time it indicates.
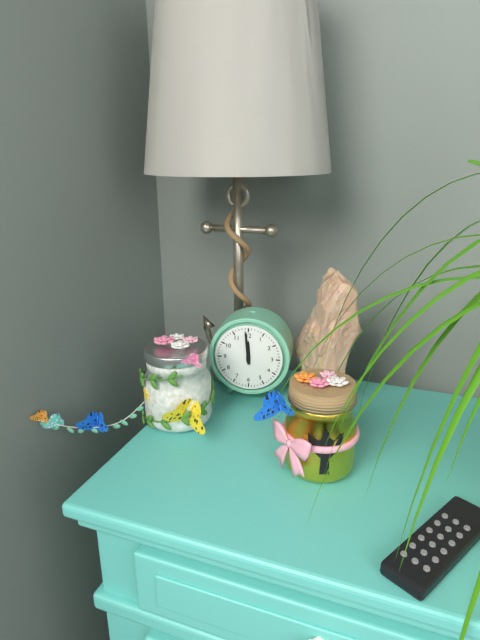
11:59
